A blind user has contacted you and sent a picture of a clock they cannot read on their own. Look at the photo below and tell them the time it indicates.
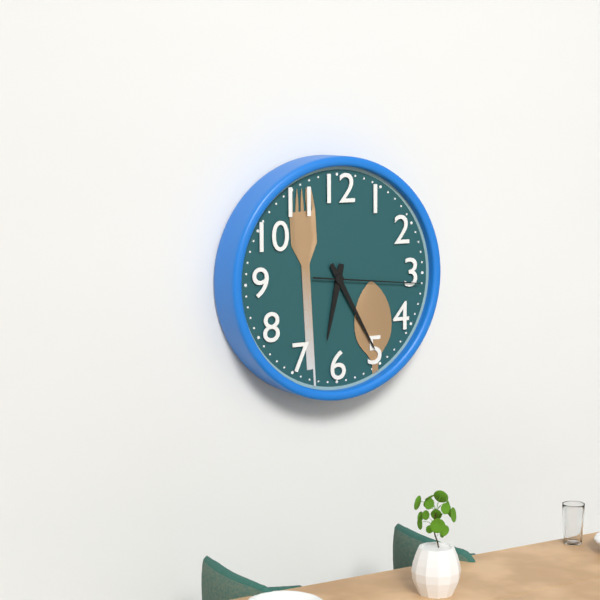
6:25:16
